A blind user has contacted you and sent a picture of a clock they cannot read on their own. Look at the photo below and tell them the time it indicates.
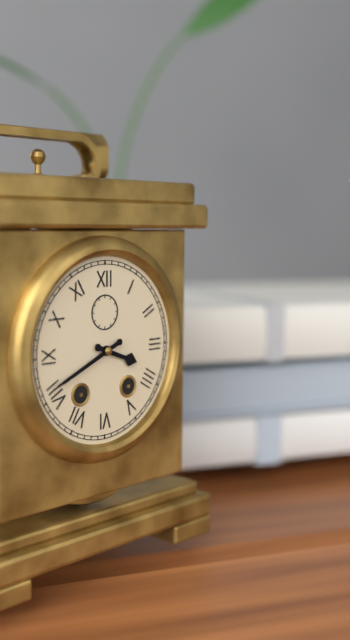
3:41
